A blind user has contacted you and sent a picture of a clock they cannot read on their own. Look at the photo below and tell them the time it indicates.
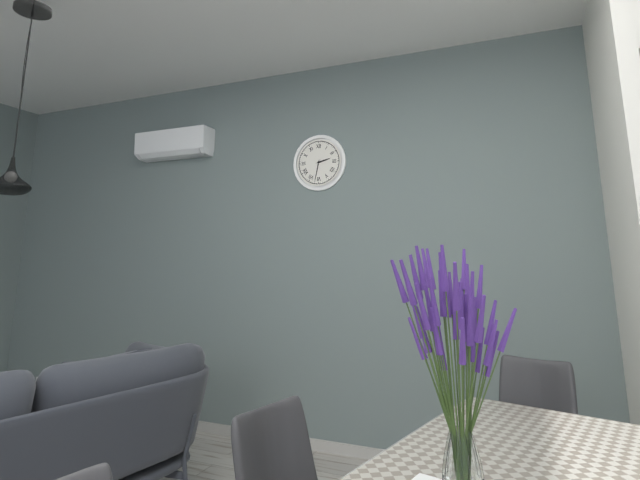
2:32
